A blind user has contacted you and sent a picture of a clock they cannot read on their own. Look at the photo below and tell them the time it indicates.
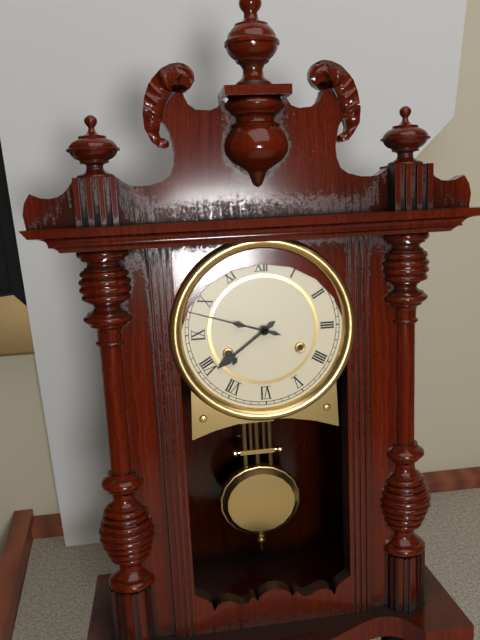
7:48
